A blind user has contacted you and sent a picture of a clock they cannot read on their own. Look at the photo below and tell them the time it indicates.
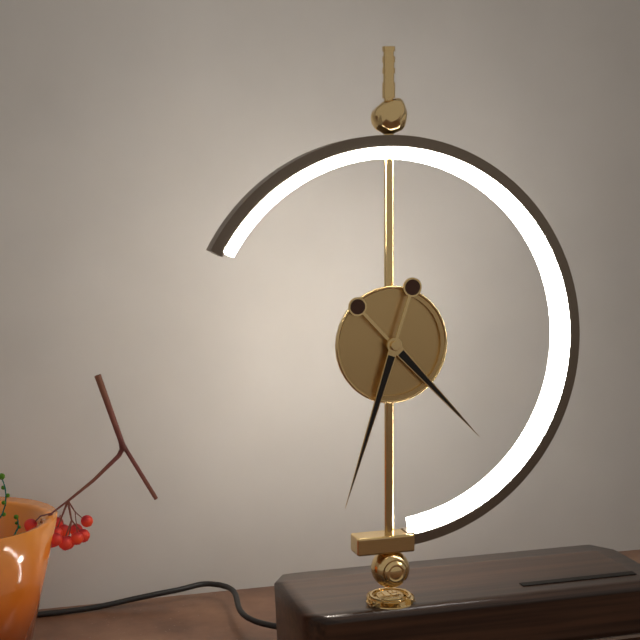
4:33
